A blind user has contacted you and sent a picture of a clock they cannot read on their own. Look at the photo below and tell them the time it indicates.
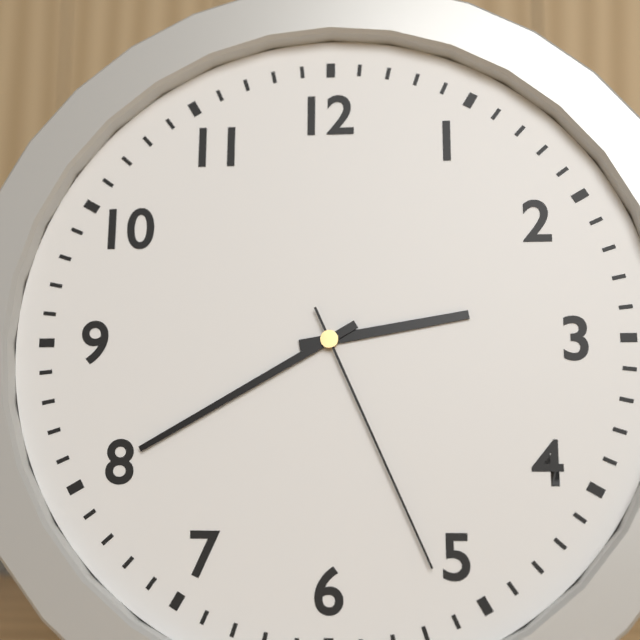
2:40:26
